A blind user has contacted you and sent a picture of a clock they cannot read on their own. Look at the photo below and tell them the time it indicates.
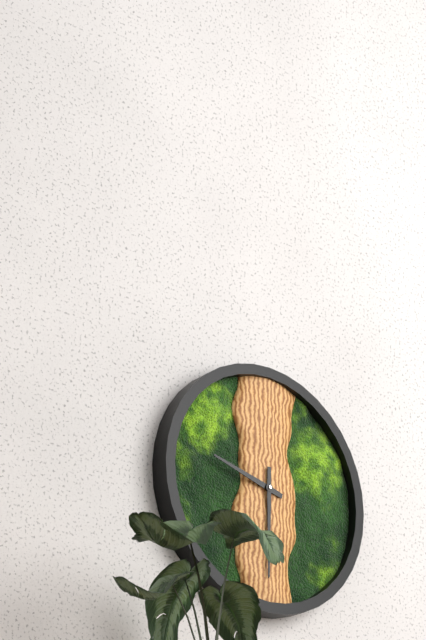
9:30
